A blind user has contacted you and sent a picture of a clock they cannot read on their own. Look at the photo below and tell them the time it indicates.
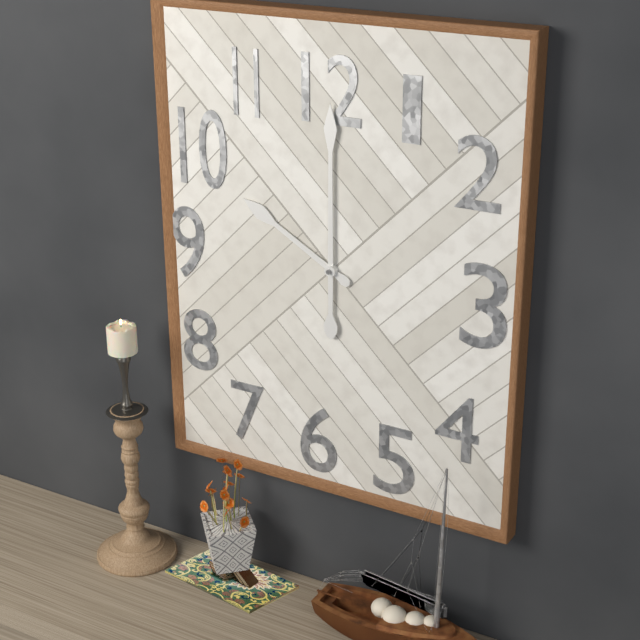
10:00
